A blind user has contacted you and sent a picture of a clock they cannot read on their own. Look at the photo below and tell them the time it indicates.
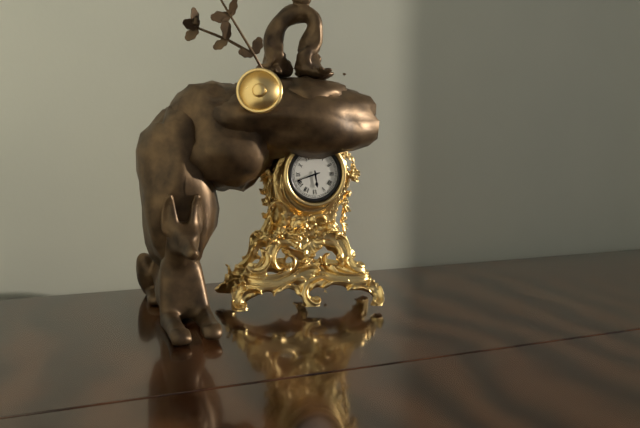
5:42
